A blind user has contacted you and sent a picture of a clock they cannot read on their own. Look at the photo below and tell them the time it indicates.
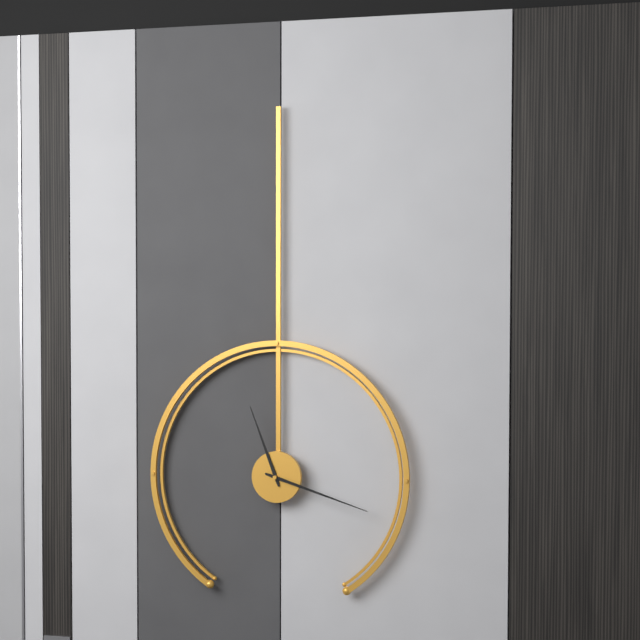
11:18
